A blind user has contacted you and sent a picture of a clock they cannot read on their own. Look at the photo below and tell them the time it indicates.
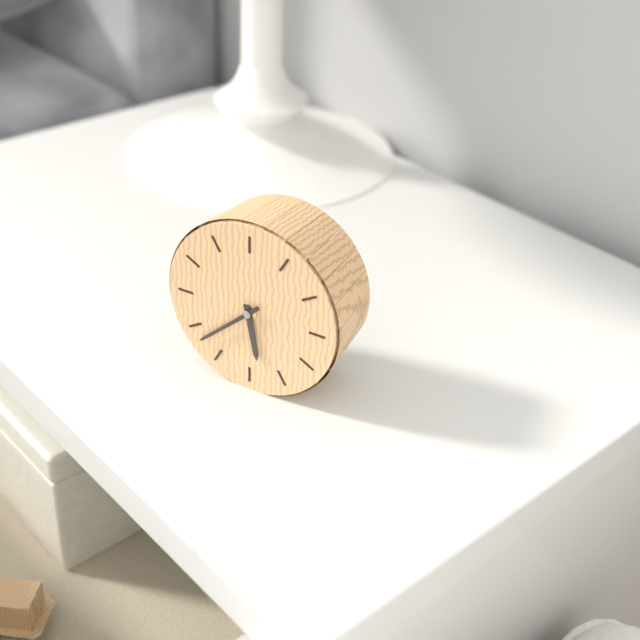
5:38
